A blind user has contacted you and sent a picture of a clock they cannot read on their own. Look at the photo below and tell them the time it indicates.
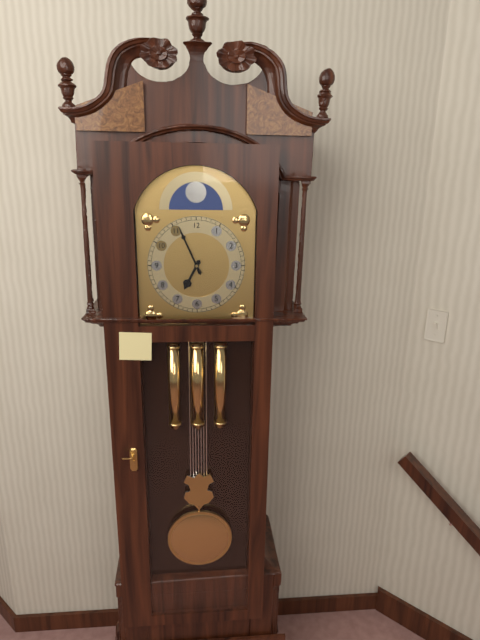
6:56
